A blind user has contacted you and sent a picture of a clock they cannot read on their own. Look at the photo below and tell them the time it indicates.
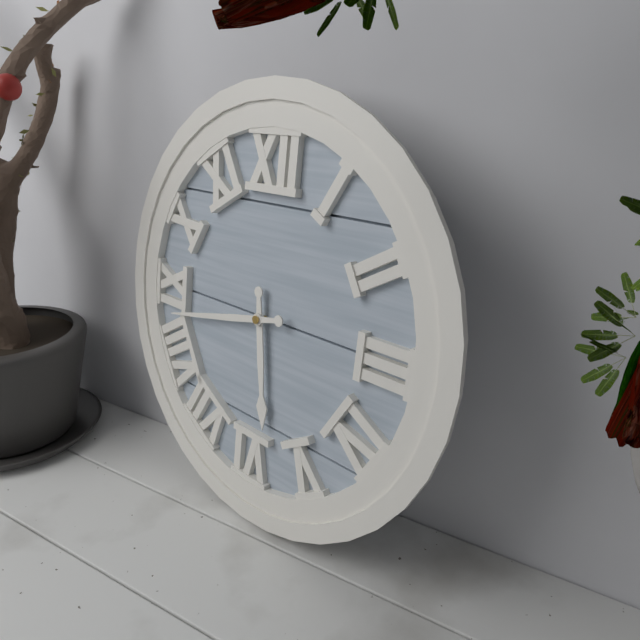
5:43
